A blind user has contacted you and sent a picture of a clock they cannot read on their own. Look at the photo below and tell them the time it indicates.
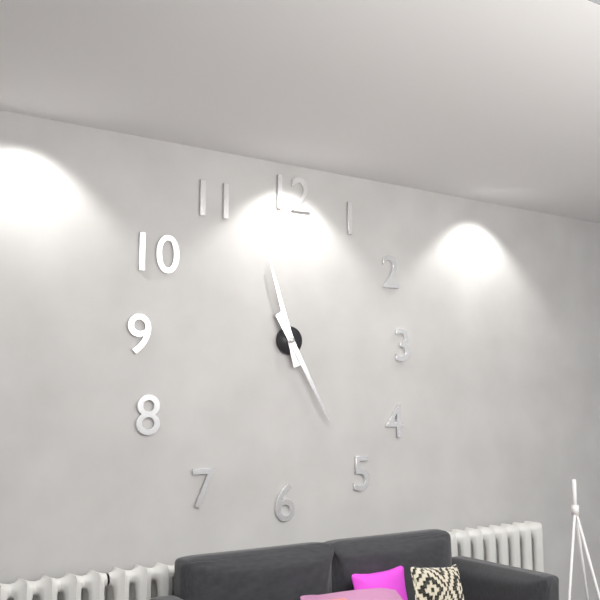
11:25
